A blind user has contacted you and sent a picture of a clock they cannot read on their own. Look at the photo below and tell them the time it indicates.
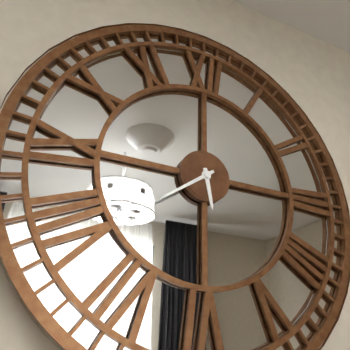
5:39
